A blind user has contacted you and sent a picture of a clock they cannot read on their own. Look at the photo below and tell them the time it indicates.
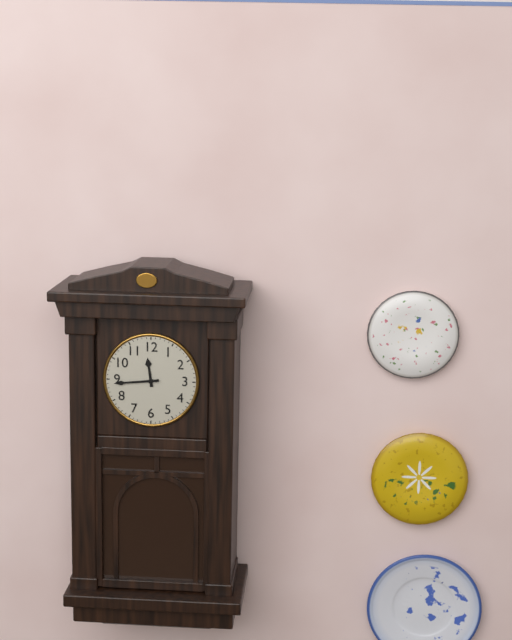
11:44
